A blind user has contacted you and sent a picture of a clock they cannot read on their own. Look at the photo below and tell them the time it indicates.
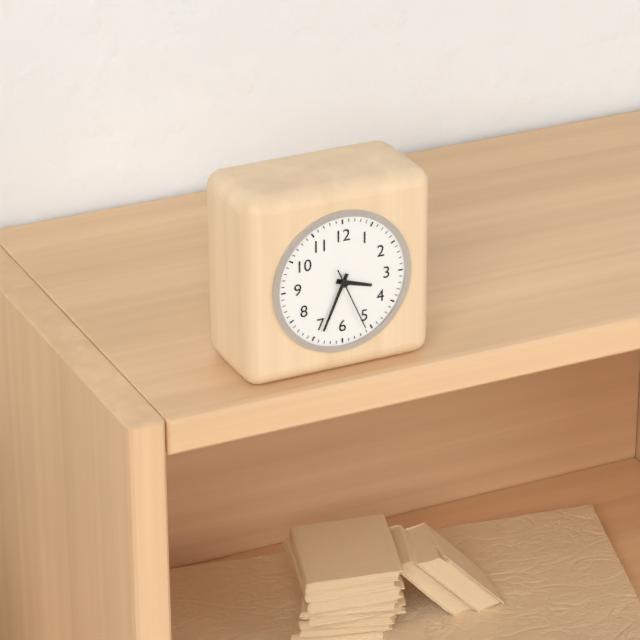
3:34:26
